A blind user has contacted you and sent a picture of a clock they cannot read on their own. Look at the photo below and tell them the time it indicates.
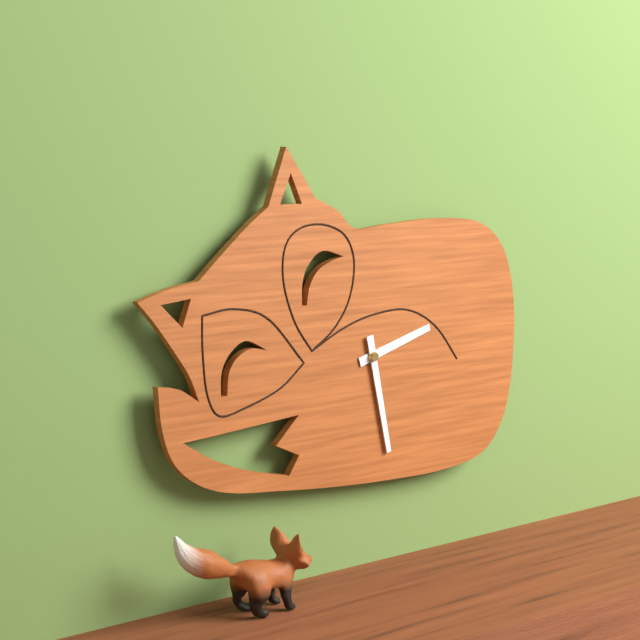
2:28
